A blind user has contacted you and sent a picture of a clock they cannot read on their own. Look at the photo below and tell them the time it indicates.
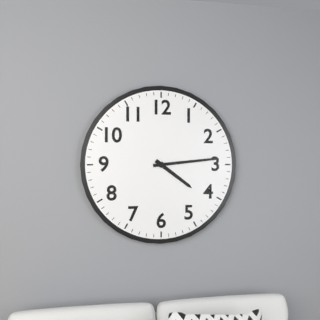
4:14
